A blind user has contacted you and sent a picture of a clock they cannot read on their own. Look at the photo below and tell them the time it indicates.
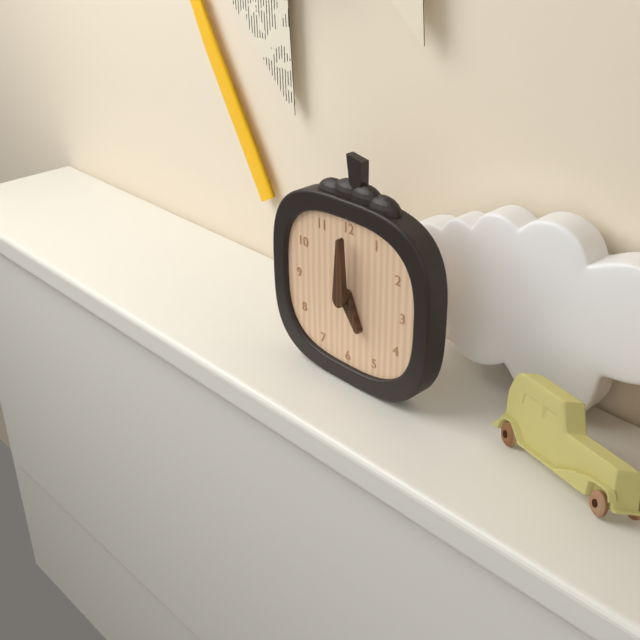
5:00
